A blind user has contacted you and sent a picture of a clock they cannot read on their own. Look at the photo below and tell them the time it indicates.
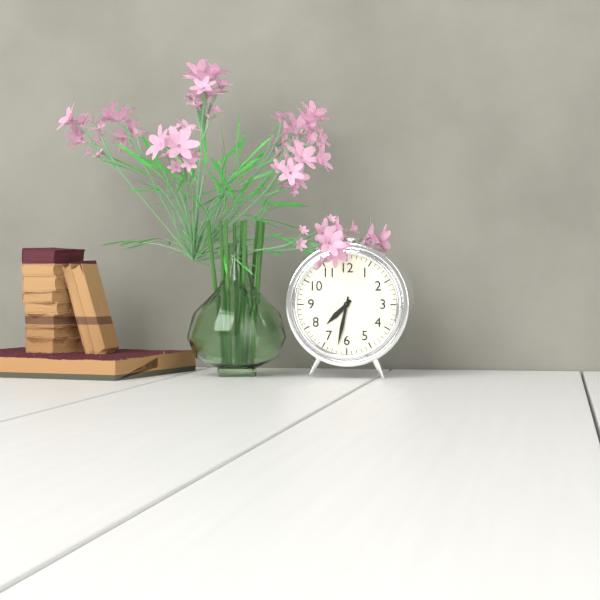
7:32
